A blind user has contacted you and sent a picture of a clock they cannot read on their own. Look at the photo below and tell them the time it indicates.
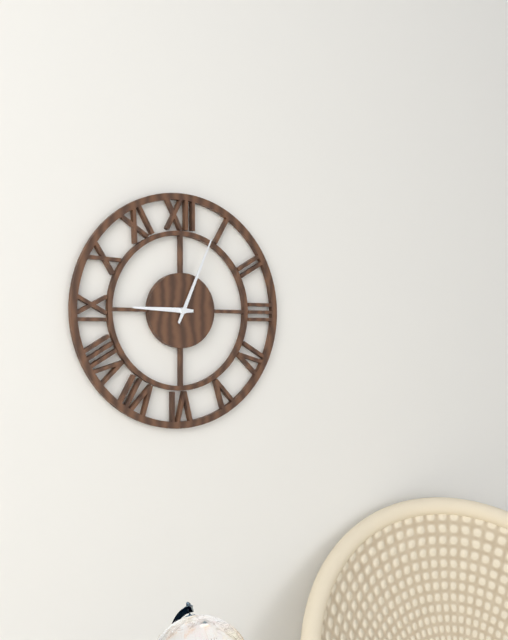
9:04
